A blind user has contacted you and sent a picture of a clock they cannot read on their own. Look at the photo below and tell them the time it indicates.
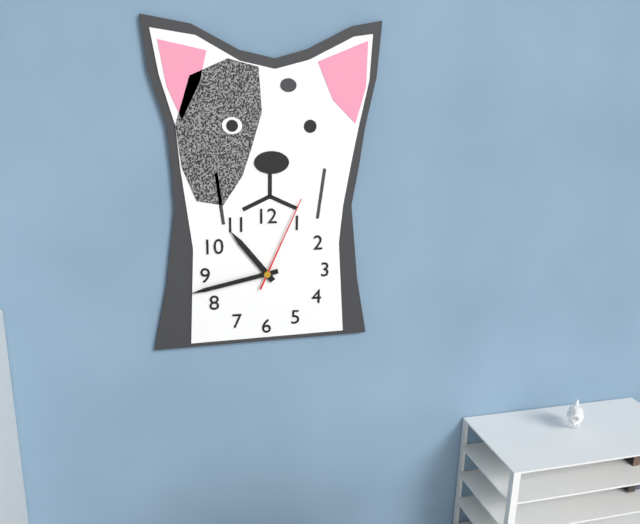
10:43:04
